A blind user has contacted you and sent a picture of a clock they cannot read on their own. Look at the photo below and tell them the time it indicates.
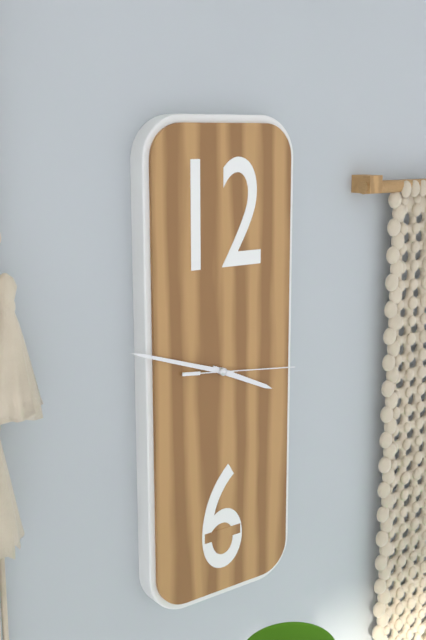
3:48:16
